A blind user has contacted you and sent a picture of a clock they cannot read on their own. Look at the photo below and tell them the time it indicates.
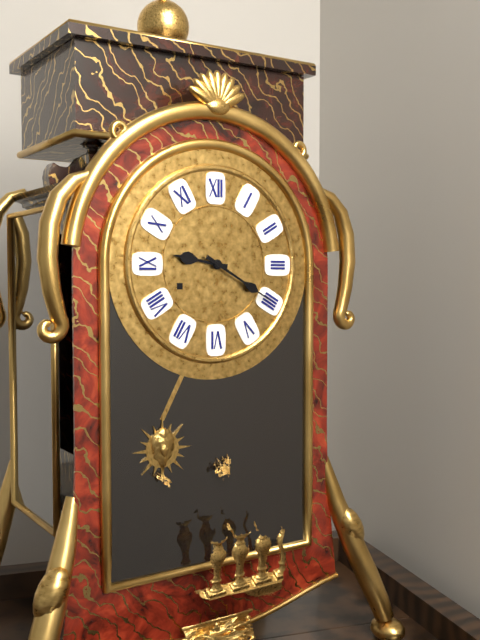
9:20
